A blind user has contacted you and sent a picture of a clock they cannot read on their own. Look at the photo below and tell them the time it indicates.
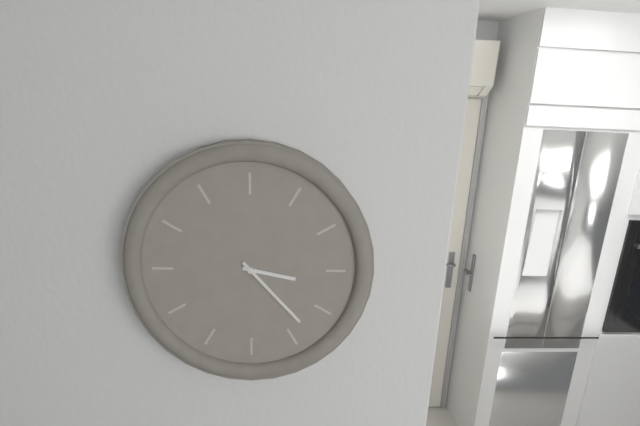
3:23
